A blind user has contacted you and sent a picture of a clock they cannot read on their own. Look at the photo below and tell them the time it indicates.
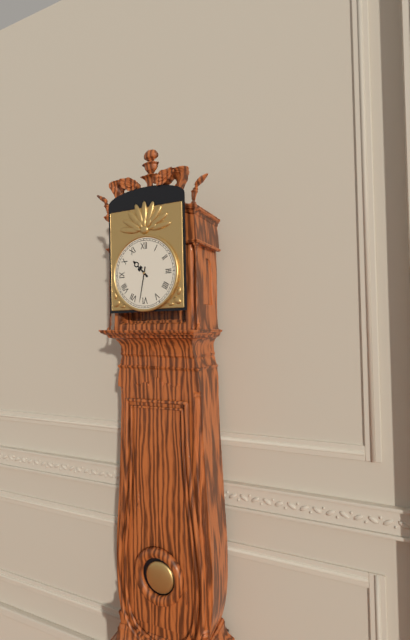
10:32
